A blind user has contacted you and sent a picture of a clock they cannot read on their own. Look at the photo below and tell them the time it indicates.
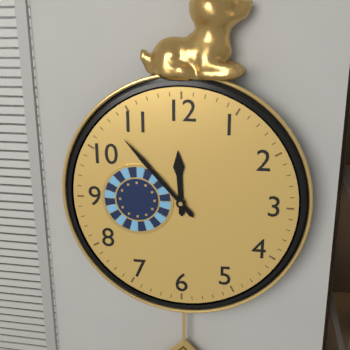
11:53
